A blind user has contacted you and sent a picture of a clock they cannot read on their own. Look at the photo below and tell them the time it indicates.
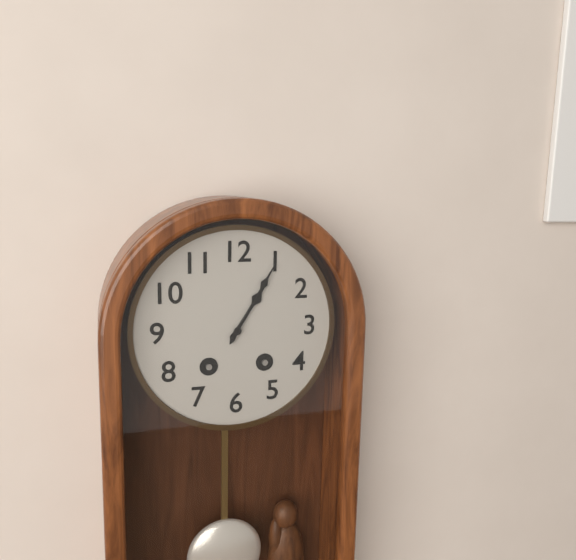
1:05
